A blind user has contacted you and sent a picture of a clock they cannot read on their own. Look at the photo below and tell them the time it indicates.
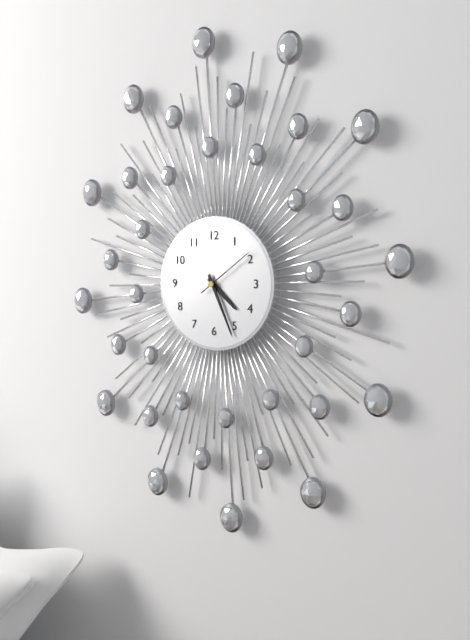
4:26:09
